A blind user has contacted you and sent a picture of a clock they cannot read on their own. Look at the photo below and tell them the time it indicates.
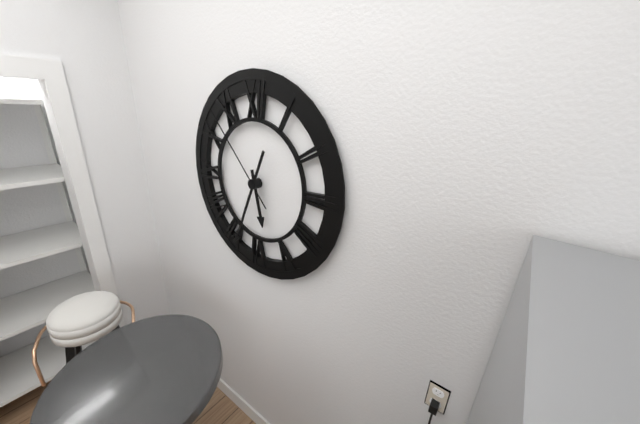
5:34:53
